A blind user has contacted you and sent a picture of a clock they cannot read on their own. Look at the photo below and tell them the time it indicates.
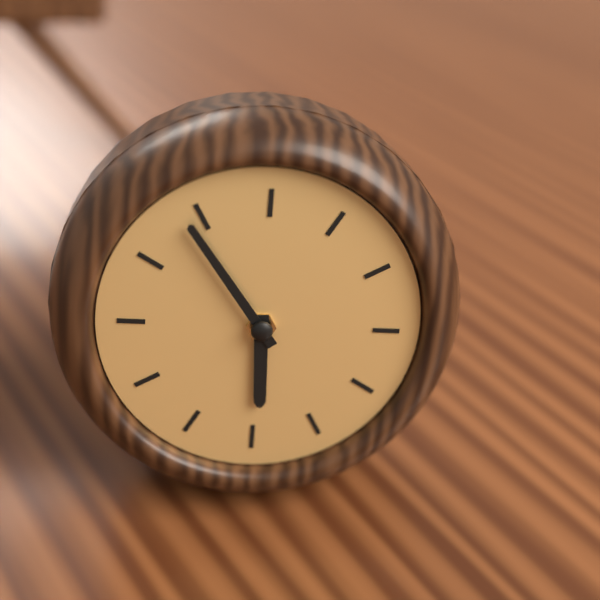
5:54
